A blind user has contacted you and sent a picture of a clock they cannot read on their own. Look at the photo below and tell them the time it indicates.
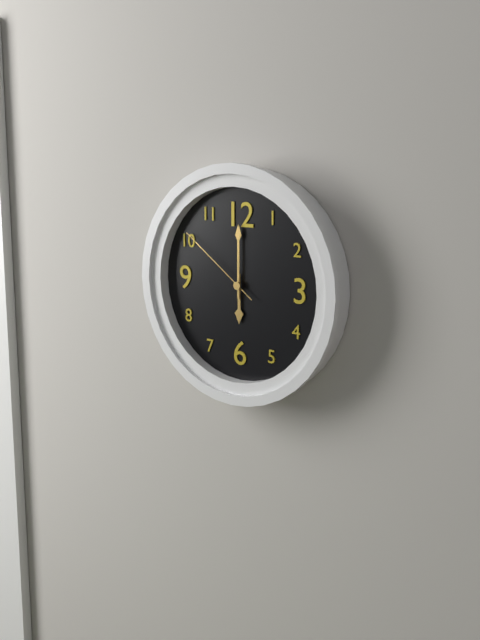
6:00:51
